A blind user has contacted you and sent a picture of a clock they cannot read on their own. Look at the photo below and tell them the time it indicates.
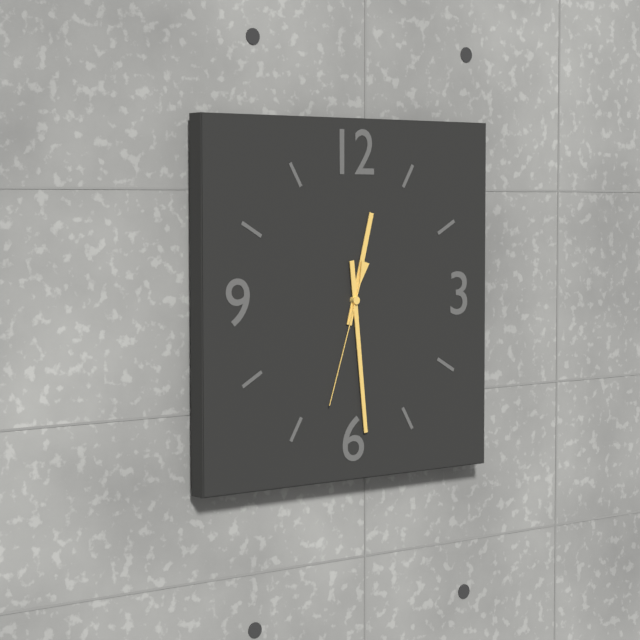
12:29:33
